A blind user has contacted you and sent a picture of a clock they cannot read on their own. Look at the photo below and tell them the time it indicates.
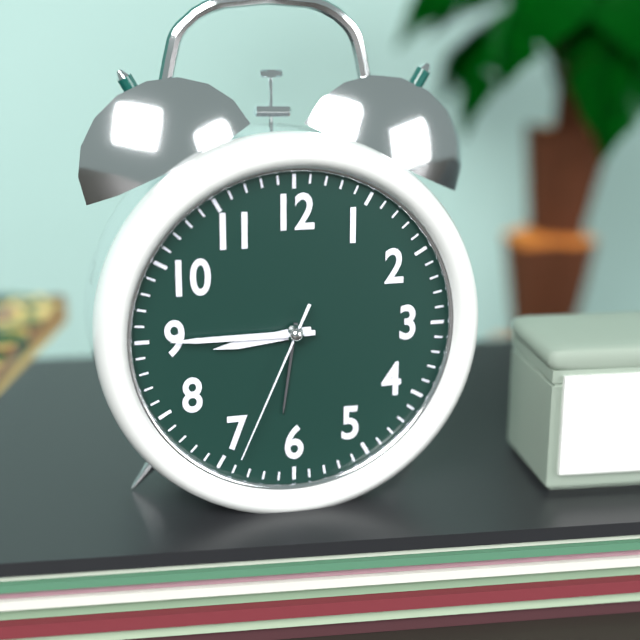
8:45:34
